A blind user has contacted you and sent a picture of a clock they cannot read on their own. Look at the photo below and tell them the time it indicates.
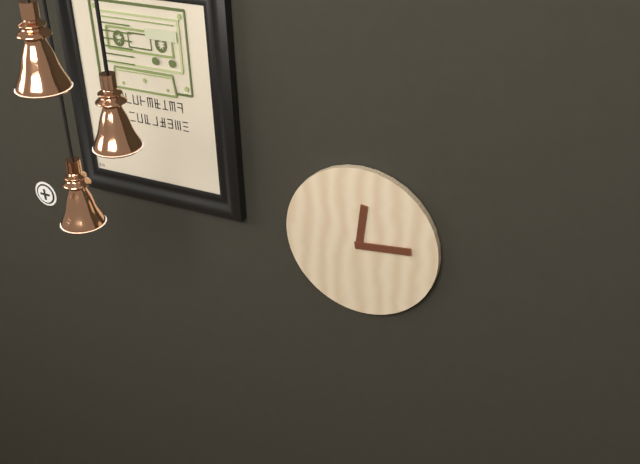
12:14
